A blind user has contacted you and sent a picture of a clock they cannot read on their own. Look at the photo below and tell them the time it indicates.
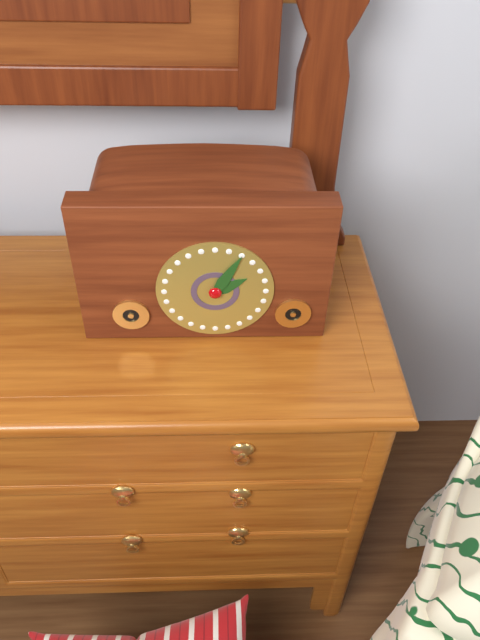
2:05
